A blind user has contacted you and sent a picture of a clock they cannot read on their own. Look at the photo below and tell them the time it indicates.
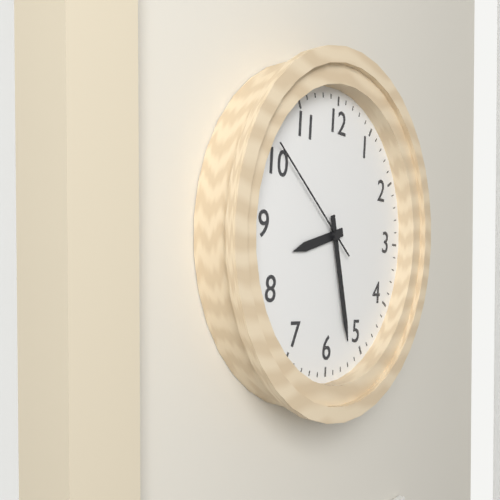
8:27:51
